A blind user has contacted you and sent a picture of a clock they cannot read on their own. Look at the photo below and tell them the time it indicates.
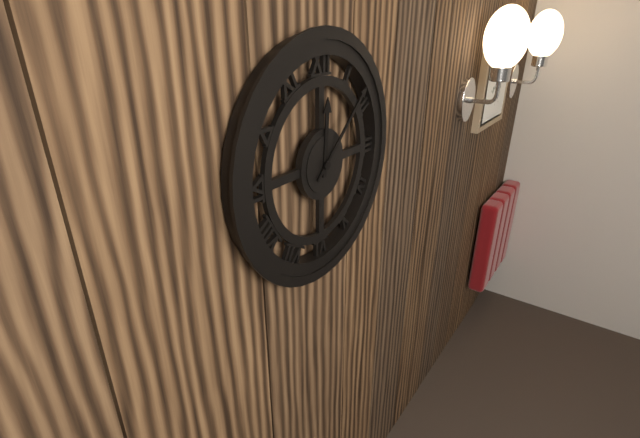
12:08
